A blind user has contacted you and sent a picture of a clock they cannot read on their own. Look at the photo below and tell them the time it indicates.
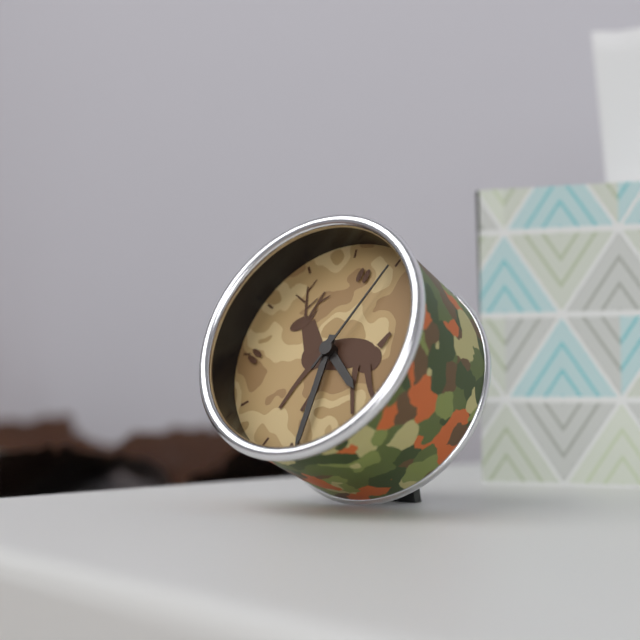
4:31:05
